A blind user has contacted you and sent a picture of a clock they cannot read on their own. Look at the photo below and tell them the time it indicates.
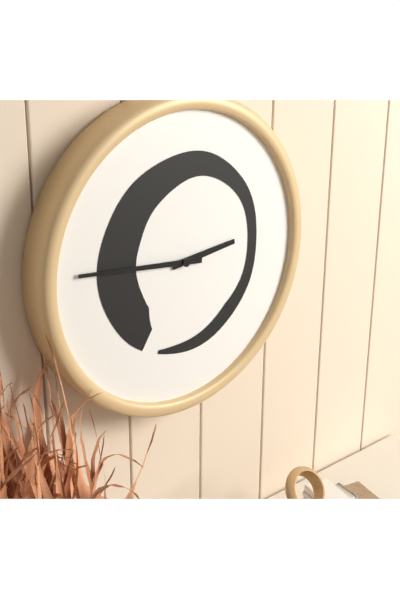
2:46
